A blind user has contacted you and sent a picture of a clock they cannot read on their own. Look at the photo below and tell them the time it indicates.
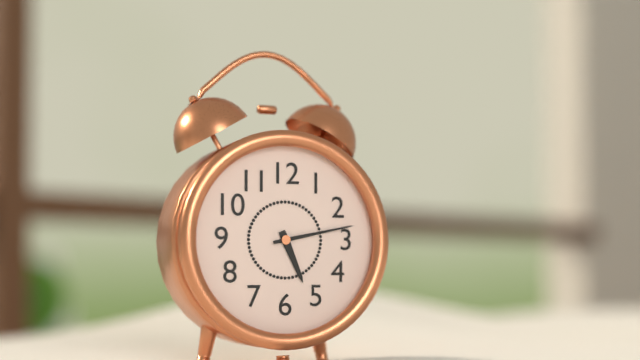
5:13
